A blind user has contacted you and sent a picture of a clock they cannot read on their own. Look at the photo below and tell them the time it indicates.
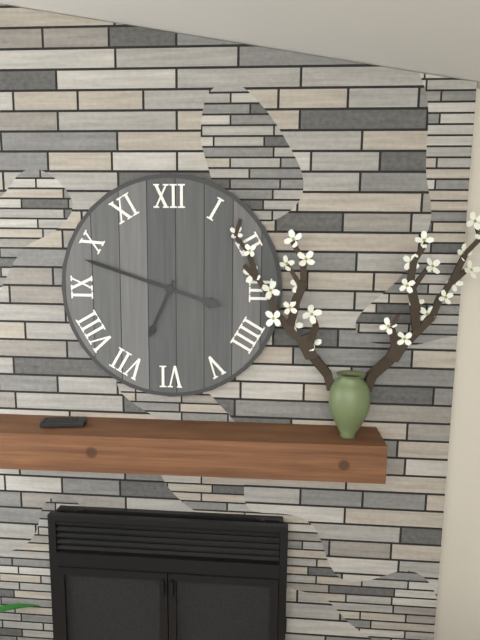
6:48
